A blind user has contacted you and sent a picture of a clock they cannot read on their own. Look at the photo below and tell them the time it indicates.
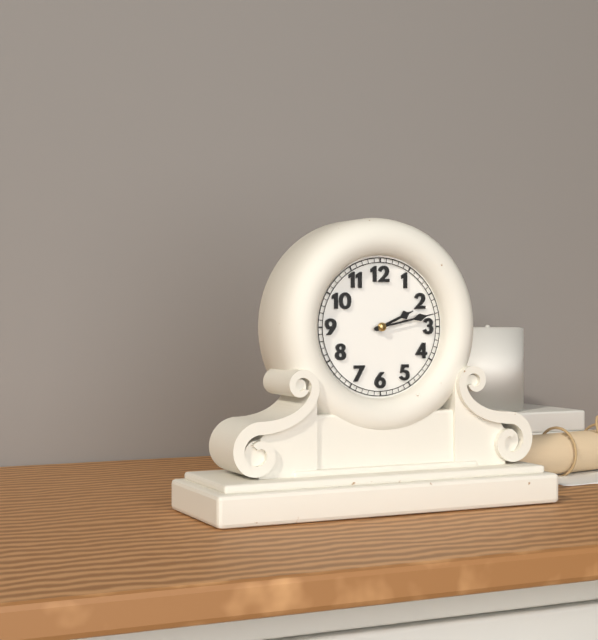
2:13
